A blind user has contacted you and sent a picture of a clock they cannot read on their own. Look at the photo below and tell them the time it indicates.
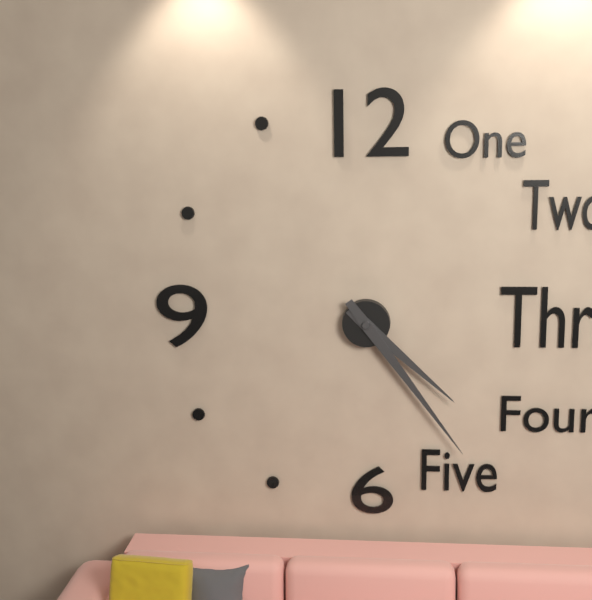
4:24
